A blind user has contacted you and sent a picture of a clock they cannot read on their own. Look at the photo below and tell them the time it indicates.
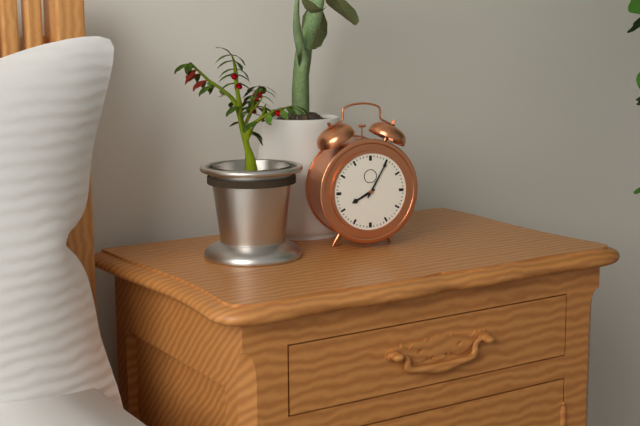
8:05
